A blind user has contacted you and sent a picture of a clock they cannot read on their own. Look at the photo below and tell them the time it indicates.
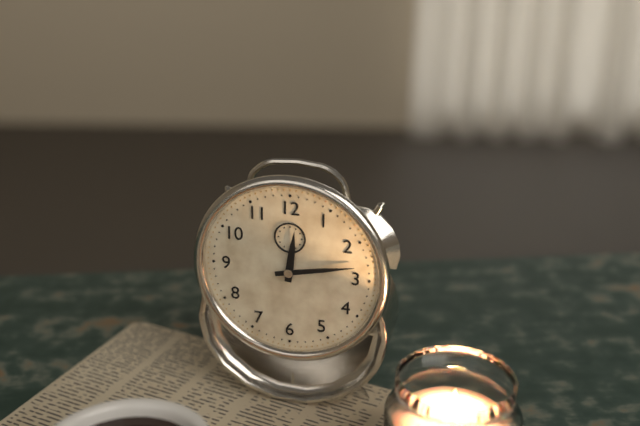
12:13
